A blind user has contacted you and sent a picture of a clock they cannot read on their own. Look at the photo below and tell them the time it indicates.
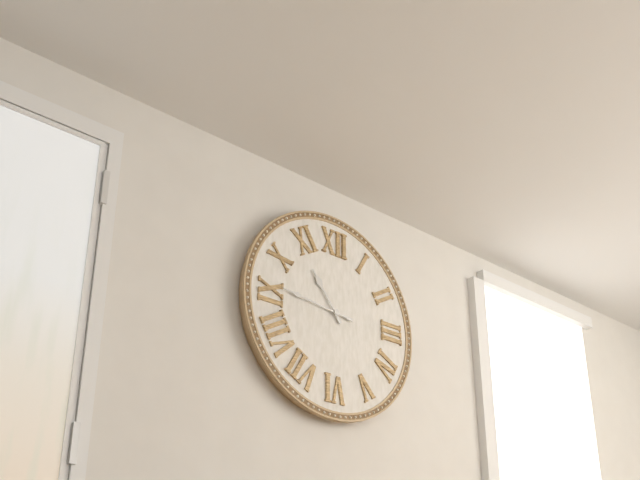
10:46
